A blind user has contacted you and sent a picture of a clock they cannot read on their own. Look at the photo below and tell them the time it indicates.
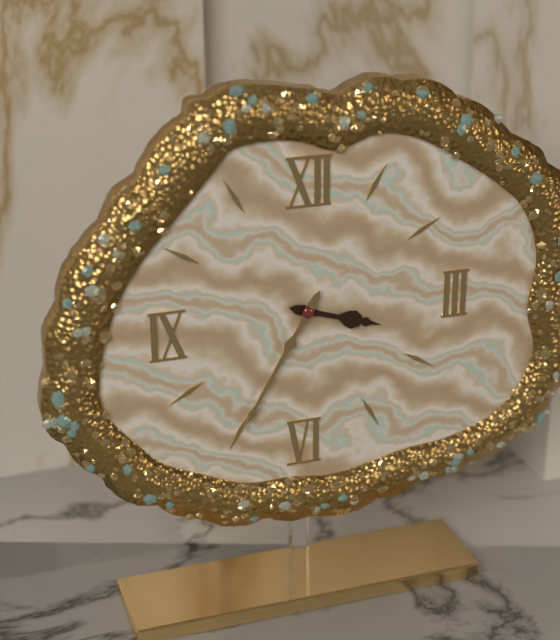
3:35
